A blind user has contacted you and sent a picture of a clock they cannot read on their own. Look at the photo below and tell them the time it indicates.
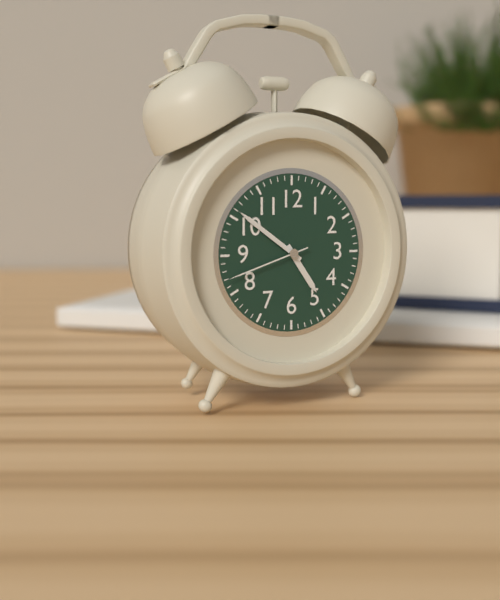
4:51:42
